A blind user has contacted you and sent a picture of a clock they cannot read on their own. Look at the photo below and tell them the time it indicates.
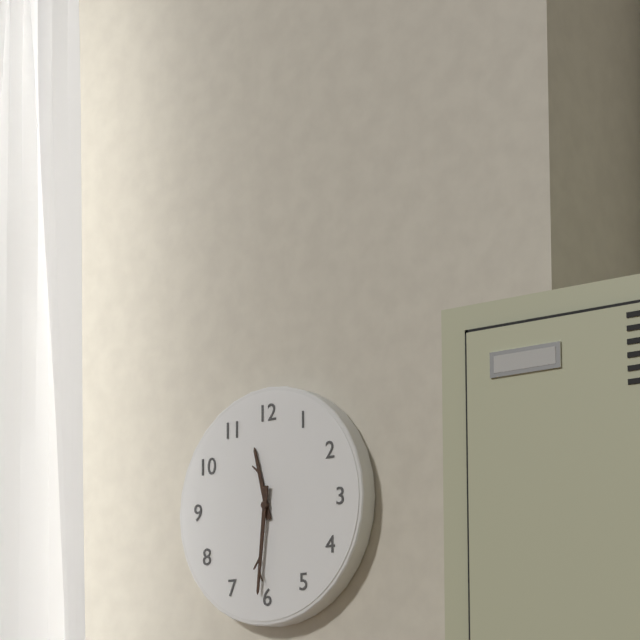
11:31
